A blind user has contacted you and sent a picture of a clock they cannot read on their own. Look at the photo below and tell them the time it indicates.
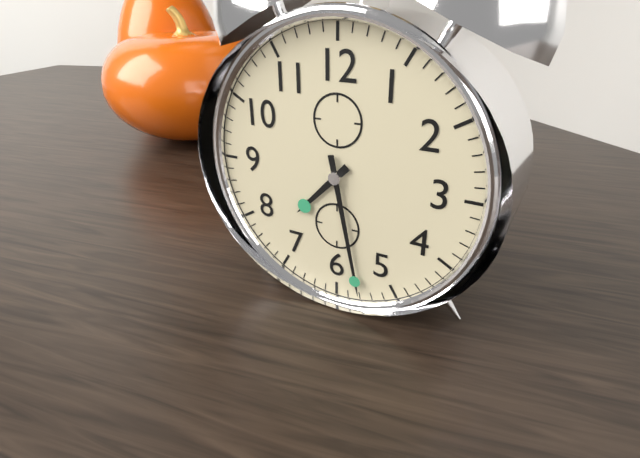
7:28
